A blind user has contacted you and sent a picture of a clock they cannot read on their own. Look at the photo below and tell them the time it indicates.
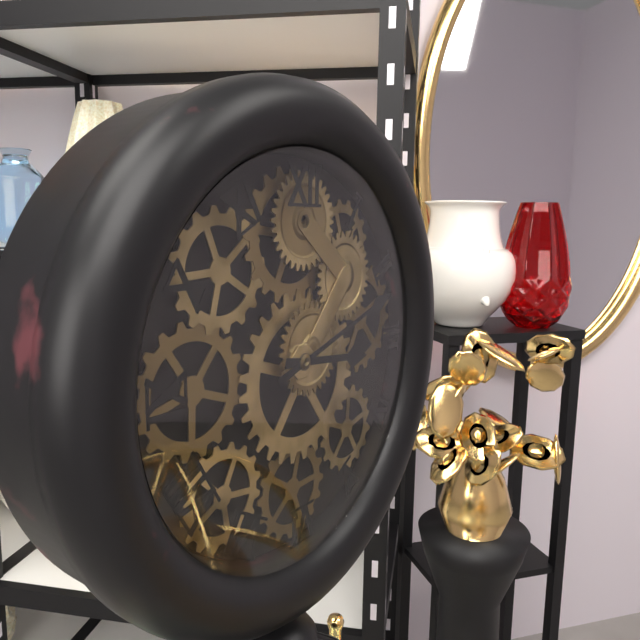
3:12
